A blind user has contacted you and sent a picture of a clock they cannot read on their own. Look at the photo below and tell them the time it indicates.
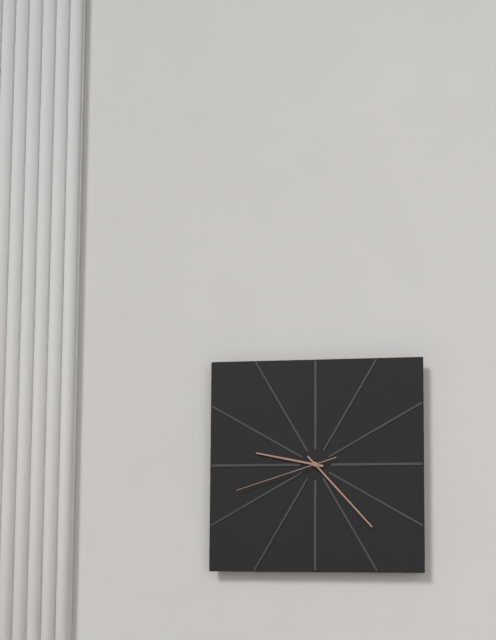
9:23:42
